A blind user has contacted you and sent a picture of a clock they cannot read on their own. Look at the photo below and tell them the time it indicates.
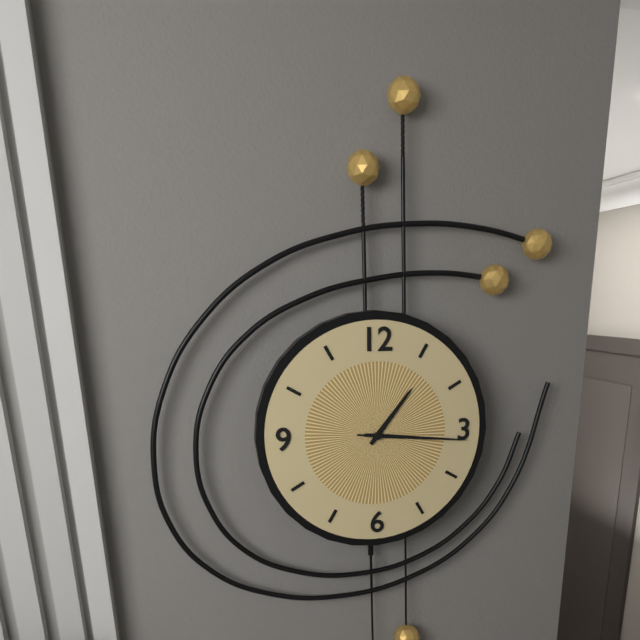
1:16:16
